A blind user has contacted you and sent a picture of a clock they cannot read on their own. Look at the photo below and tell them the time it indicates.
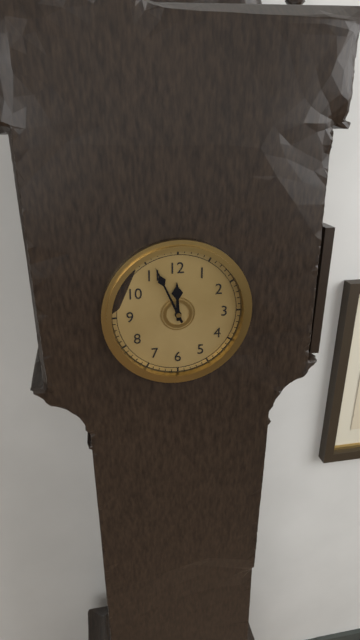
11:56
